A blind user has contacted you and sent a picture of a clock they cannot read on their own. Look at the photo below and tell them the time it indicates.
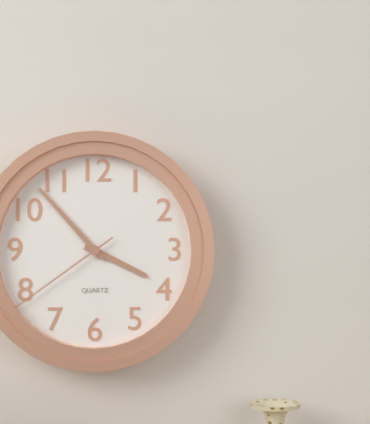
3:53:39
